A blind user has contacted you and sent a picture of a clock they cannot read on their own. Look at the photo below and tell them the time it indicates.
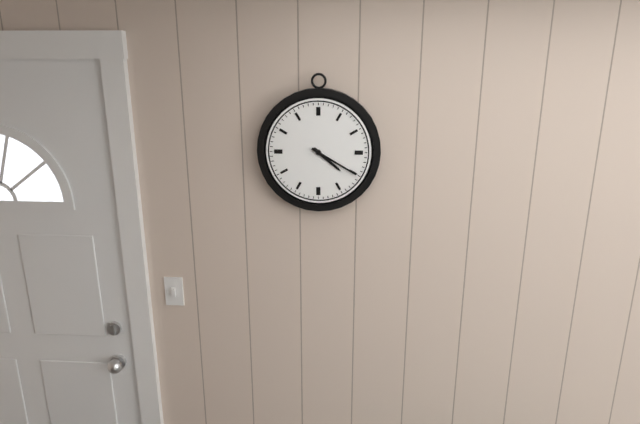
4:20
